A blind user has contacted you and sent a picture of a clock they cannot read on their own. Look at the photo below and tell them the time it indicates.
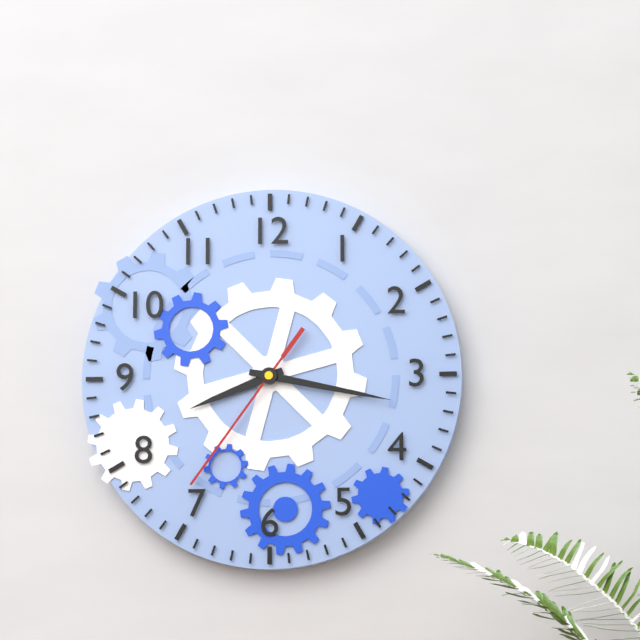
8:17:36
